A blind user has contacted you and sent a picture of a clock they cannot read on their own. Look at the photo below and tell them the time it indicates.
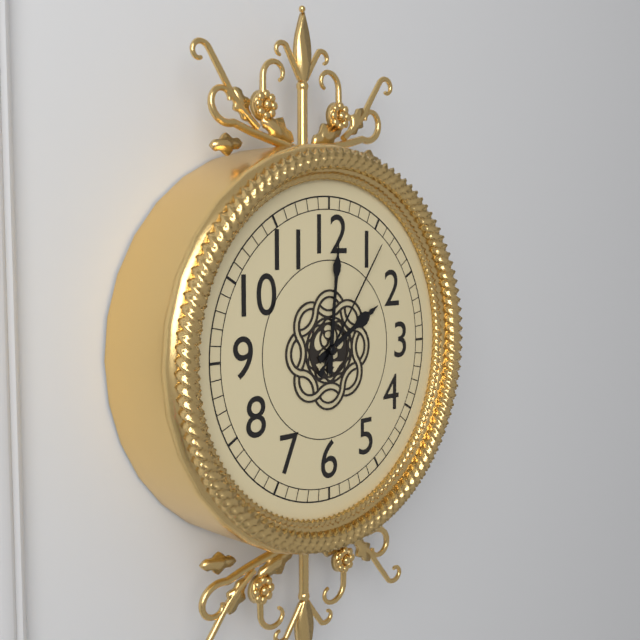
2:01:06
